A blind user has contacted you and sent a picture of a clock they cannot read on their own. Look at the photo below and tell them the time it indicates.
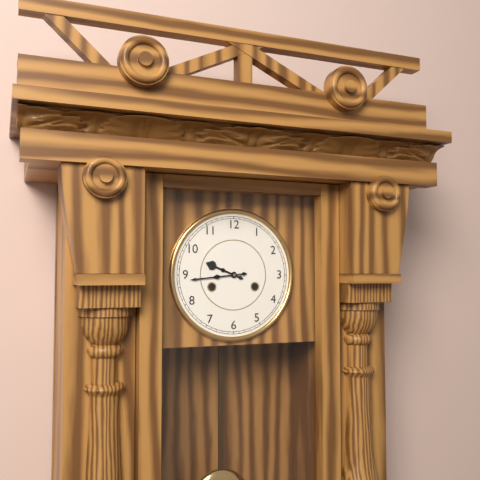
9:44
